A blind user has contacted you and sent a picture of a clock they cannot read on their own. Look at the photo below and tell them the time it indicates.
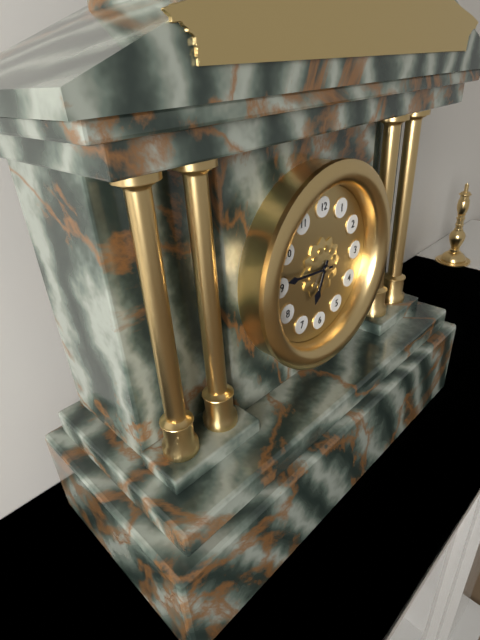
6:46
